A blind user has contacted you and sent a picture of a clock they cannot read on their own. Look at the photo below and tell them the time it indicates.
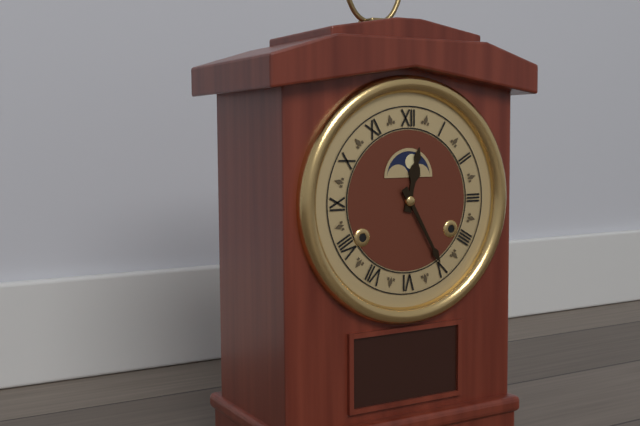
12:25
